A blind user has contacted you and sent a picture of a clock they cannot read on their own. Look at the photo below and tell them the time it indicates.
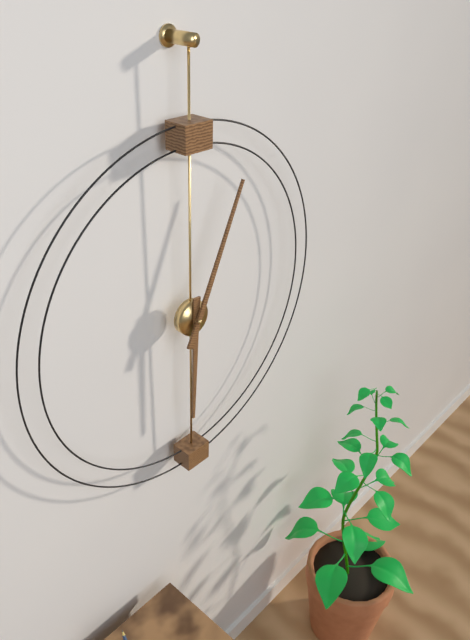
6:04
